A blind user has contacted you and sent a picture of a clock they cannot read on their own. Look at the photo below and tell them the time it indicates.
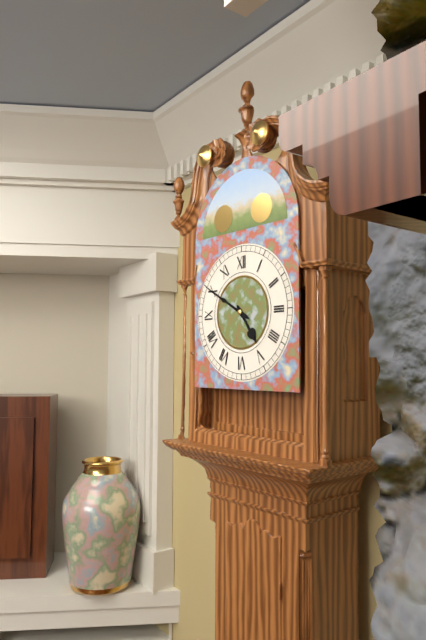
4:50
